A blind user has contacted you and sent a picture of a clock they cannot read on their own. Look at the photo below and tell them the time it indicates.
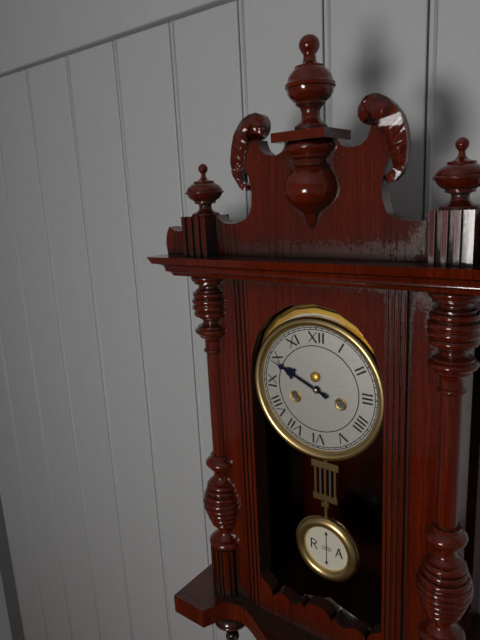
9:49
